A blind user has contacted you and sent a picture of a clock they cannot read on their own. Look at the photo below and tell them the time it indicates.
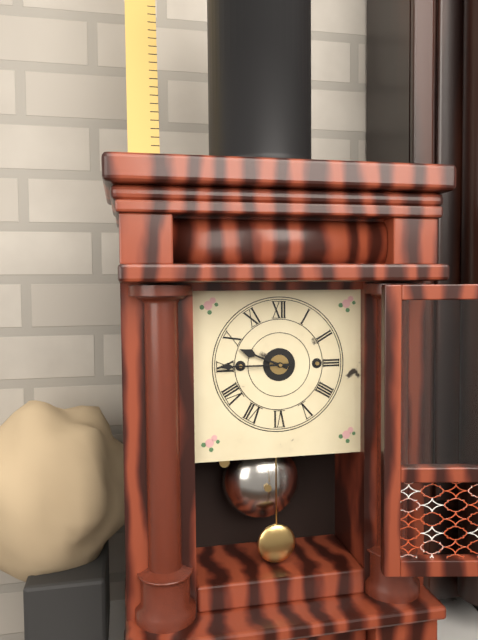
9:45
